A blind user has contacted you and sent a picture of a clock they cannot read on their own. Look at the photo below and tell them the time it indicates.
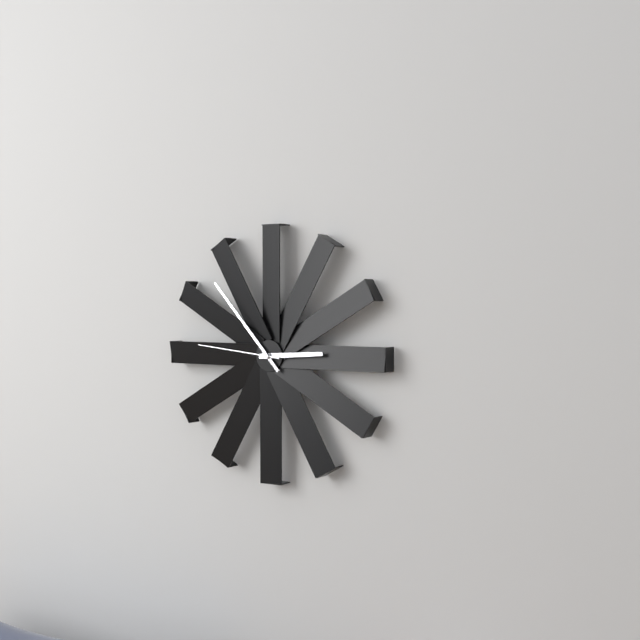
2:53:46
